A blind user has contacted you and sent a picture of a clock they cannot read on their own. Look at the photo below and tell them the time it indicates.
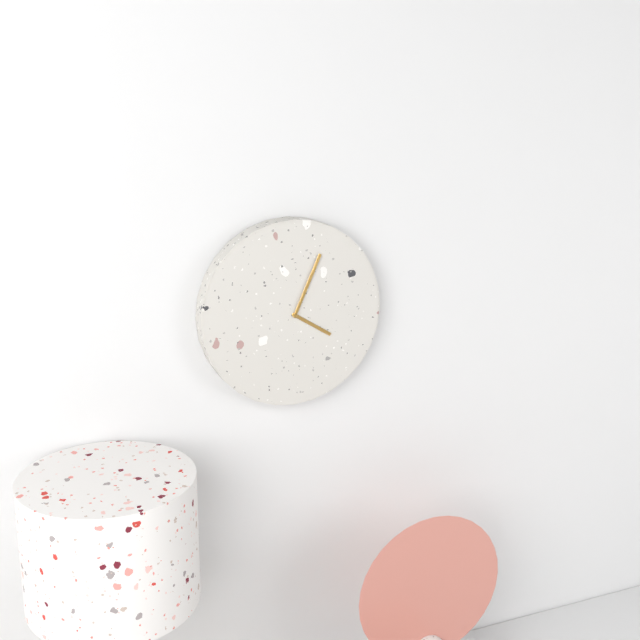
4:04
